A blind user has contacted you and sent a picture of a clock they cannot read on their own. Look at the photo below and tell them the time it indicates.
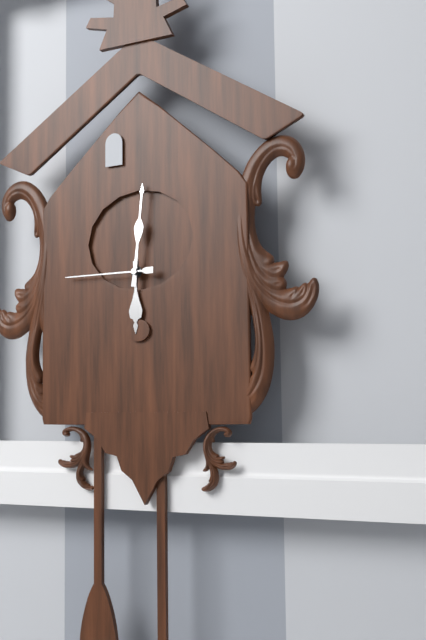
6:01:45
